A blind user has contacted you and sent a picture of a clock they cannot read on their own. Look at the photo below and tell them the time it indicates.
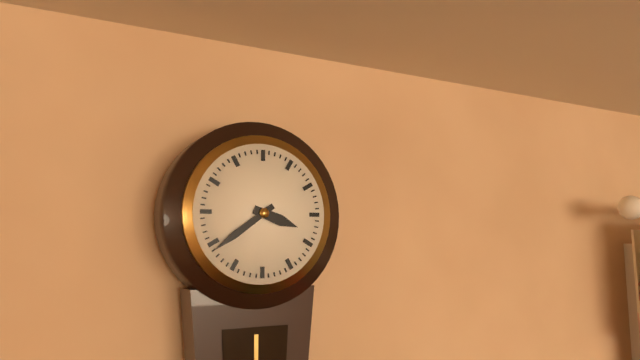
3:39
